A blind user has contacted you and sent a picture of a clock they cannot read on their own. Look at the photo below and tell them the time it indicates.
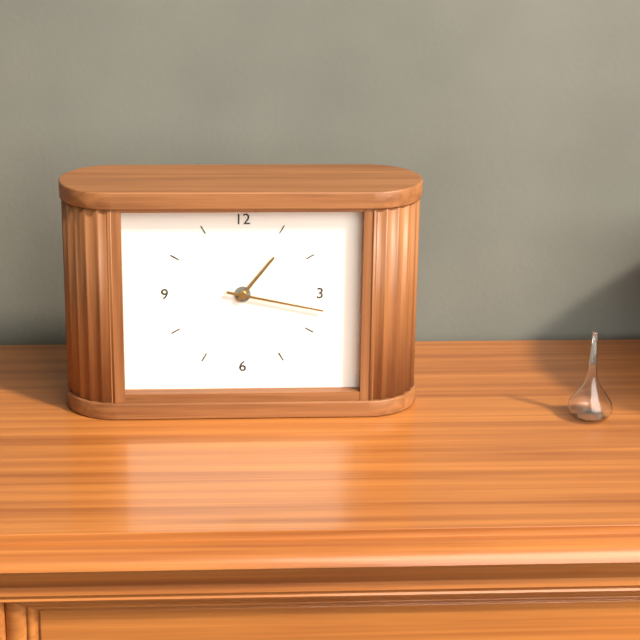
1:17
